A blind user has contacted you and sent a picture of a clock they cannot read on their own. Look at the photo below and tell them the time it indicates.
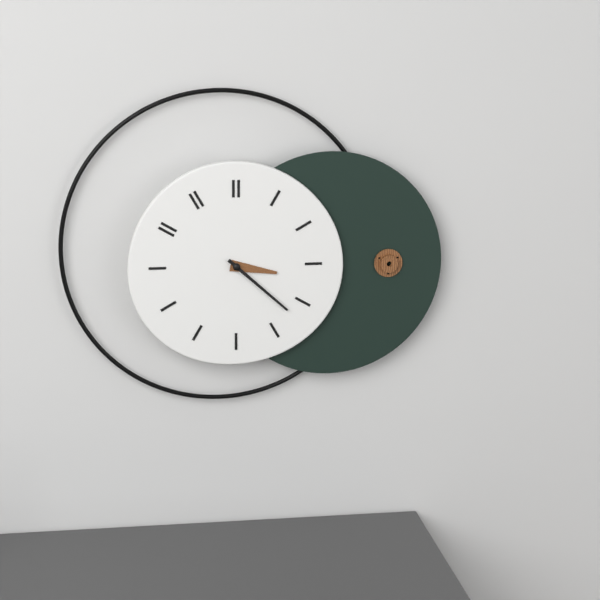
3:22
